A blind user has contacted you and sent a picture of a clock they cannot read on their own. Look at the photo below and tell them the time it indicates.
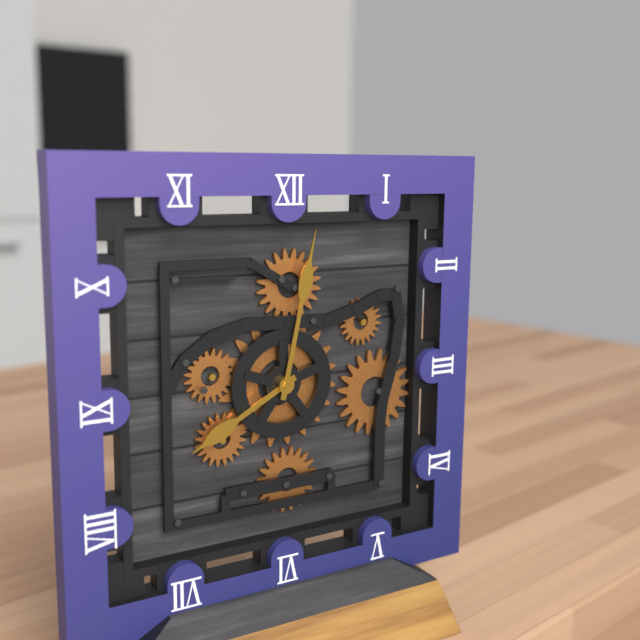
8:02
